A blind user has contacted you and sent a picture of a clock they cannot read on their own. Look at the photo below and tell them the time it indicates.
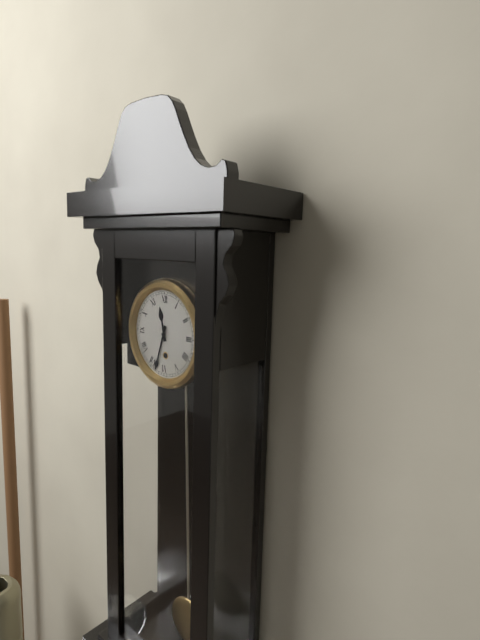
11:33
